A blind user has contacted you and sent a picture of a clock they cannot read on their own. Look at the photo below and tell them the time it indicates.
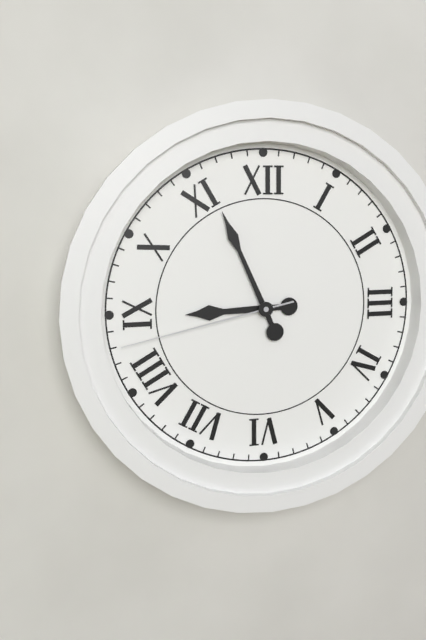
8:56:43
